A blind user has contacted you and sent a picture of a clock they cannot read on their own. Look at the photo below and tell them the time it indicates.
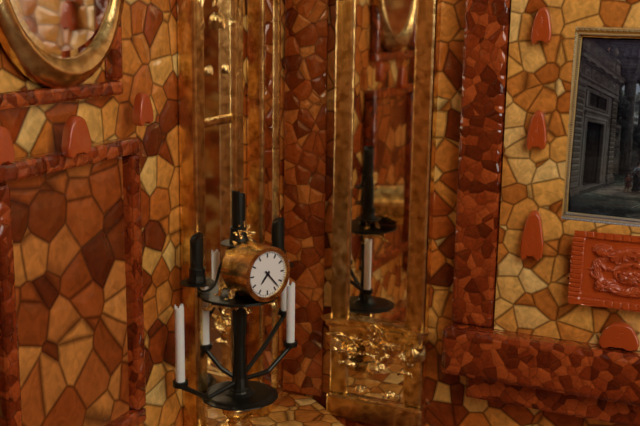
7:23
